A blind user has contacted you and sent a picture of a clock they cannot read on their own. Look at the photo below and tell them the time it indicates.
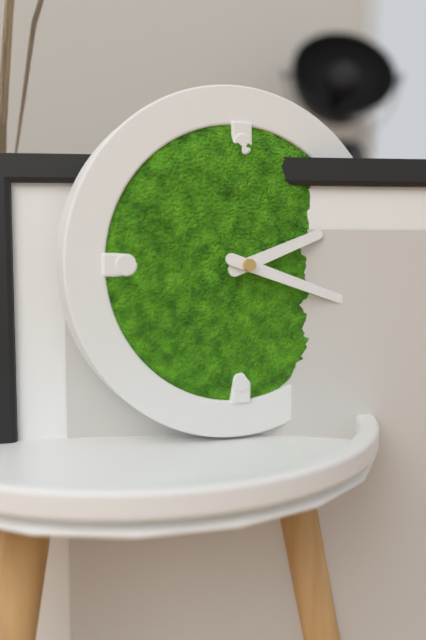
2:18
